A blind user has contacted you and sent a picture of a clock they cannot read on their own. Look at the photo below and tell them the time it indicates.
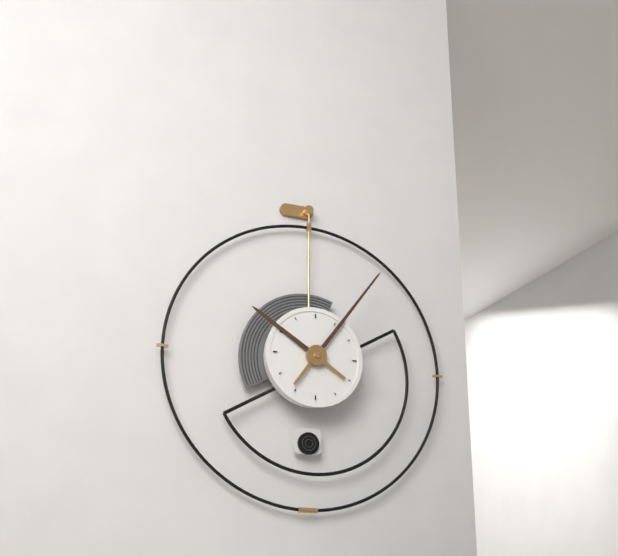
10:06
